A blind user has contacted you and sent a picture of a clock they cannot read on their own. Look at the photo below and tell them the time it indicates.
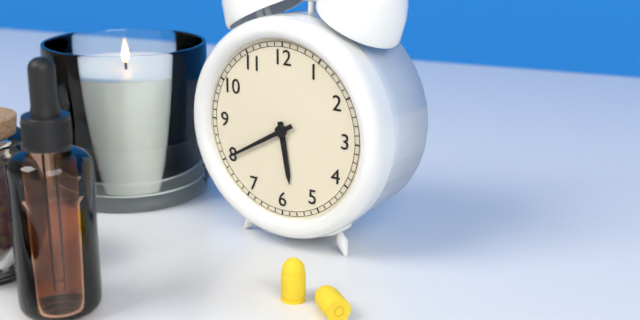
5:40
